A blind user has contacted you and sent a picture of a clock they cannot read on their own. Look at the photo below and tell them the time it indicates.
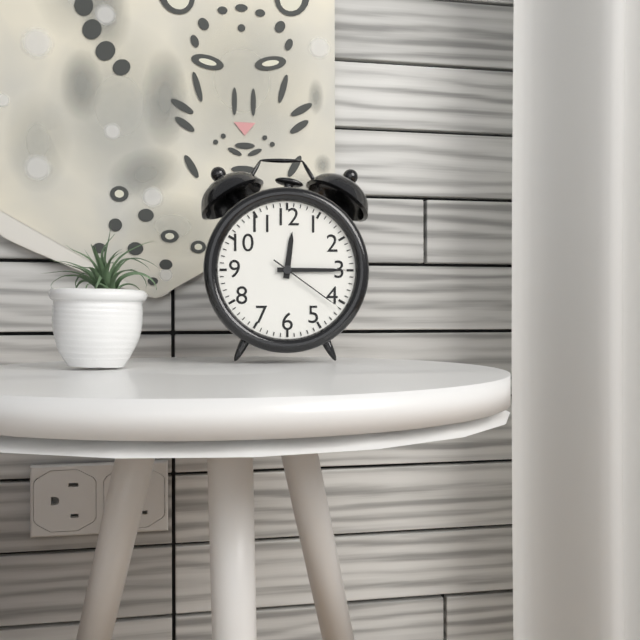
12:15:21
